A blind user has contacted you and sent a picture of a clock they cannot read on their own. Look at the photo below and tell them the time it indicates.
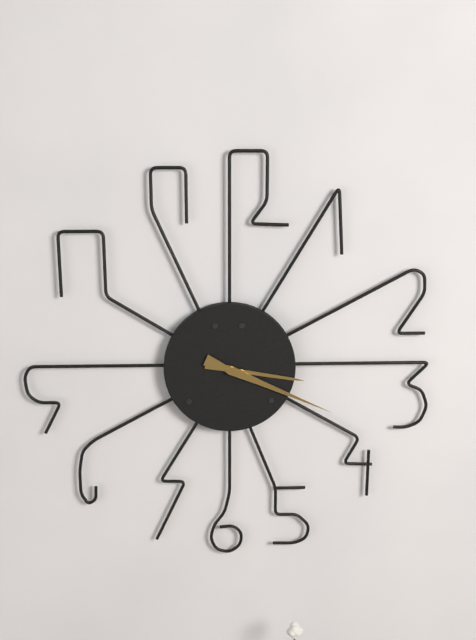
3:19
